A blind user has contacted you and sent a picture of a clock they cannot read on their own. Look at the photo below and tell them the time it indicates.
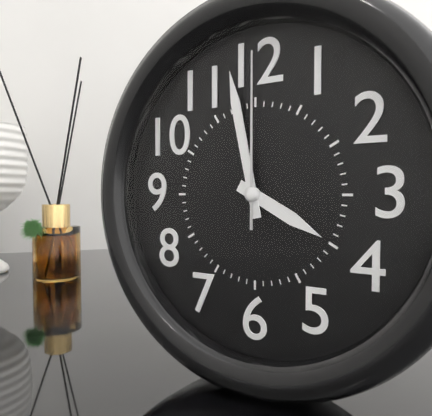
3:58:00
